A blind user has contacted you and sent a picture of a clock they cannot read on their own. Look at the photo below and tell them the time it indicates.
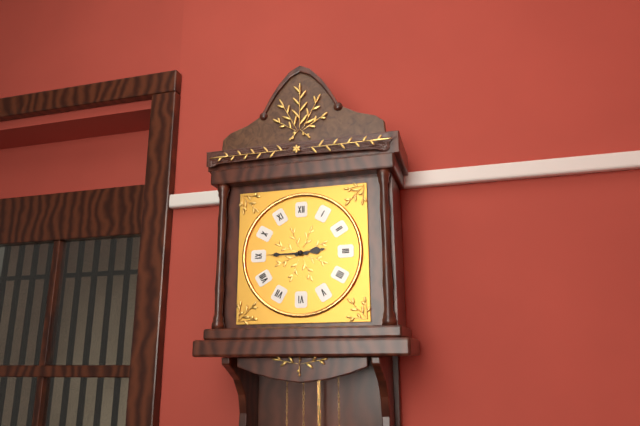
2:45
